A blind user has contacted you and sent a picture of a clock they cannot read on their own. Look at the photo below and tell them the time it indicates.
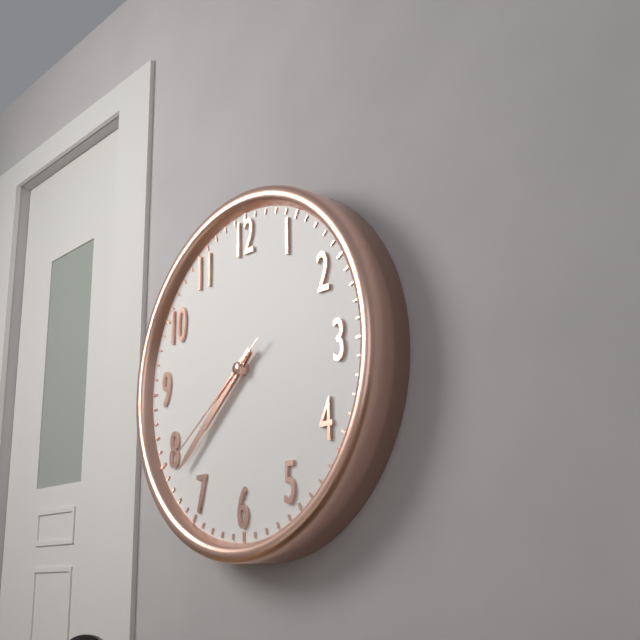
7:38:39
